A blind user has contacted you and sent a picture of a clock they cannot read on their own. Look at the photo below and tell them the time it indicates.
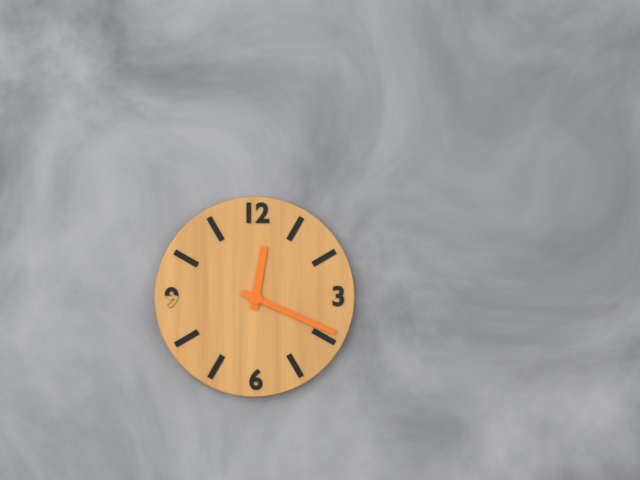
12:19
